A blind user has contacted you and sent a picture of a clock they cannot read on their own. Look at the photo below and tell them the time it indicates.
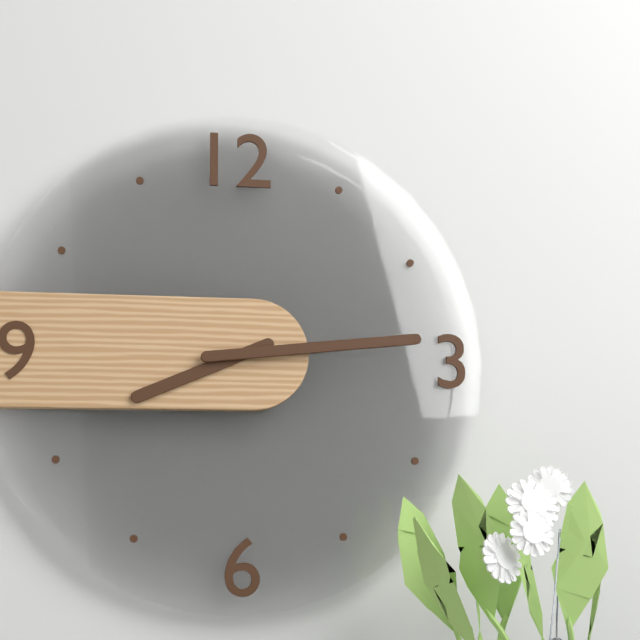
8:14
